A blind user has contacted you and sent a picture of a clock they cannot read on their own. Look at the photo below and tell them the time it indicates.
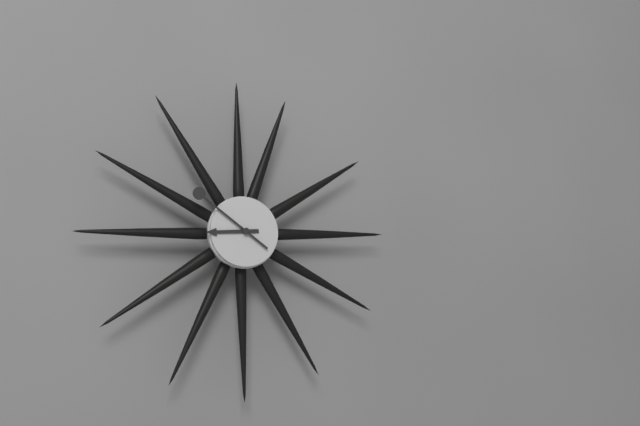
8:51
